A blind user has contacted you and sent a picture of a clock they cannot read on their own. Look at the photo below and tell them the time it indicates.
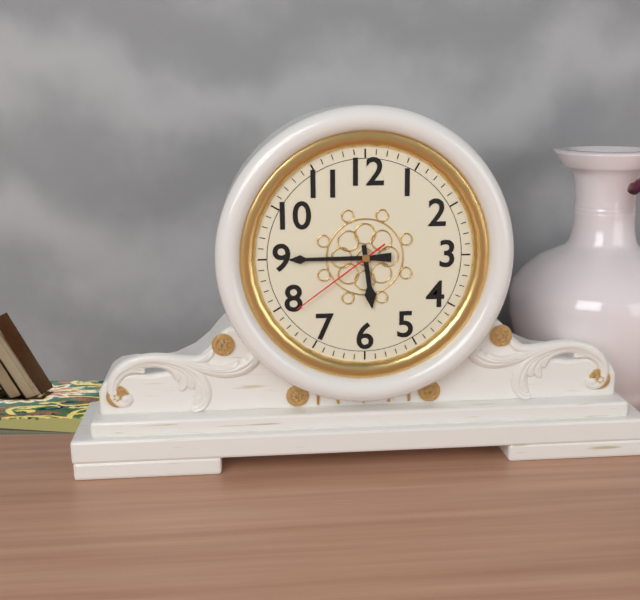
5:45:39
